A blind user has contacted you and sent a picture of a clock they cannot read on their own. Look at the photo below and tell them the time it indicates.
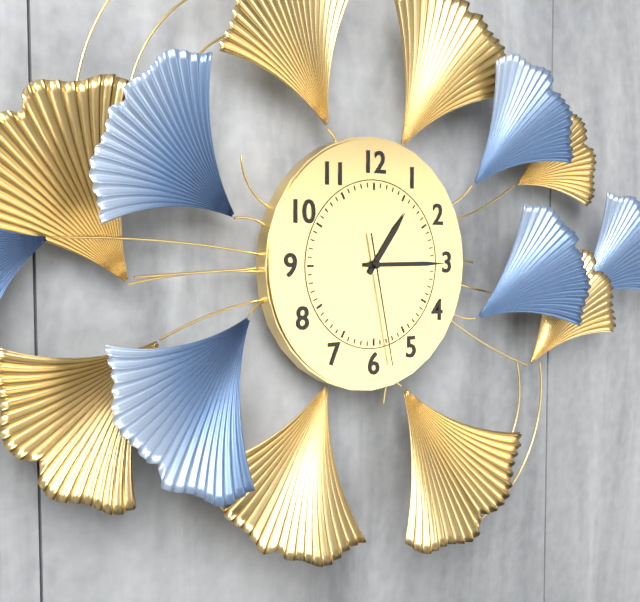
1:15:28
